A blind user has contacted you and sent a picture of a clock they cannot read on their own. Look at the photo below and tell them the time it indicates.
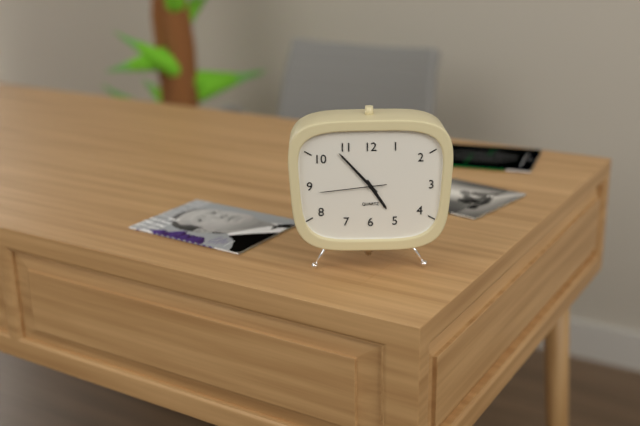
4:53:44
